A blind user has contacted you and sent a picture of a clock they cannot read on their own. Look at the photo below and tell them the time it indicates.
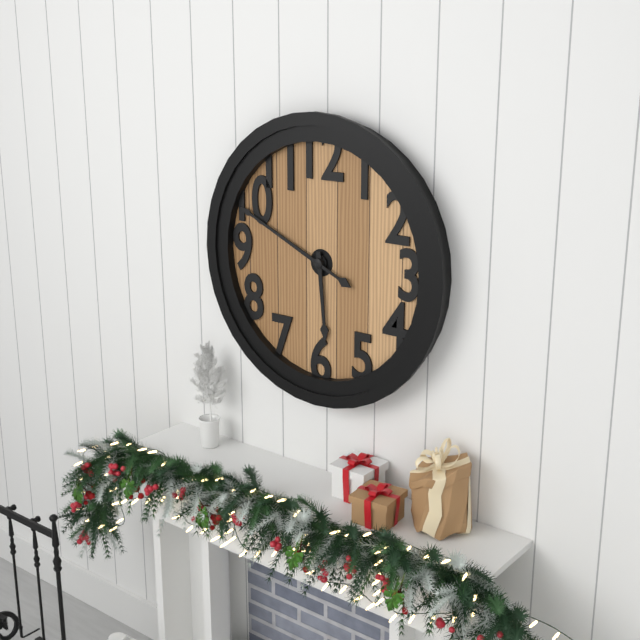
5:49
